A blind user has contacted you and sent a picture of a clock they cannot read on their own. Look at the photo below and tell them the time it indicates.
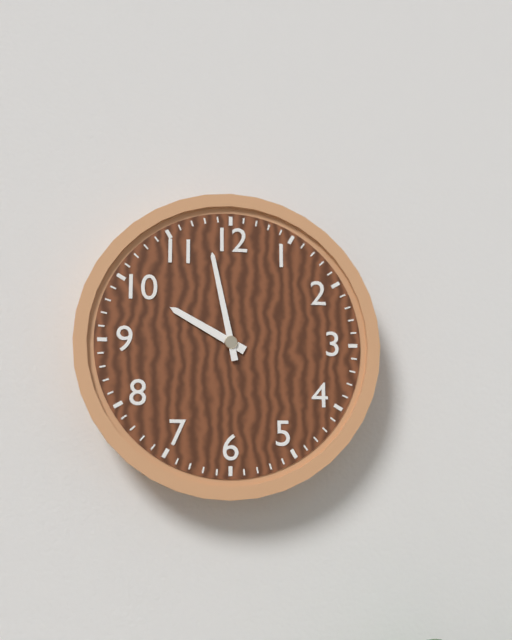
9:58
